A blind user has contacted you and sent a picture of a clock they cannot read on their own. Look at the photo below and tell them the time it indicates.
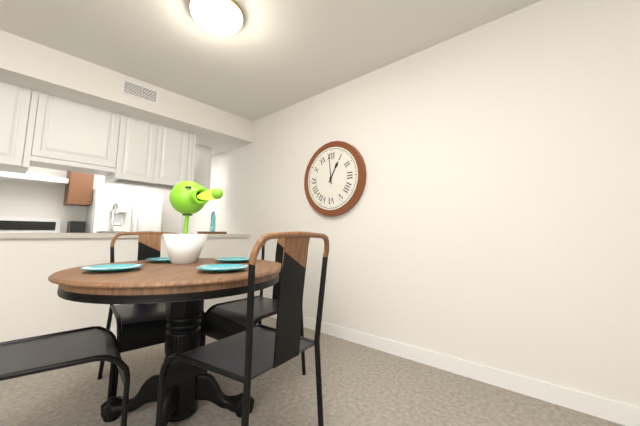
12:59
